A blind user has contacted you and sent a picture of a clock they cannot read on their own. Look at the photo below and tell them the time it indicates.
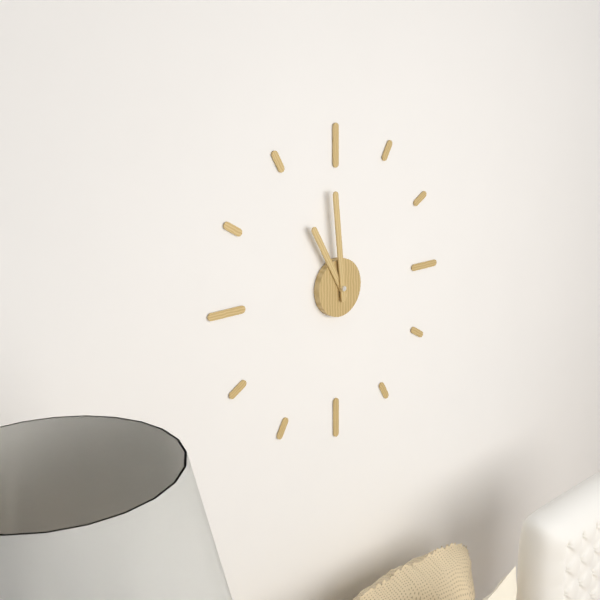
10:59
